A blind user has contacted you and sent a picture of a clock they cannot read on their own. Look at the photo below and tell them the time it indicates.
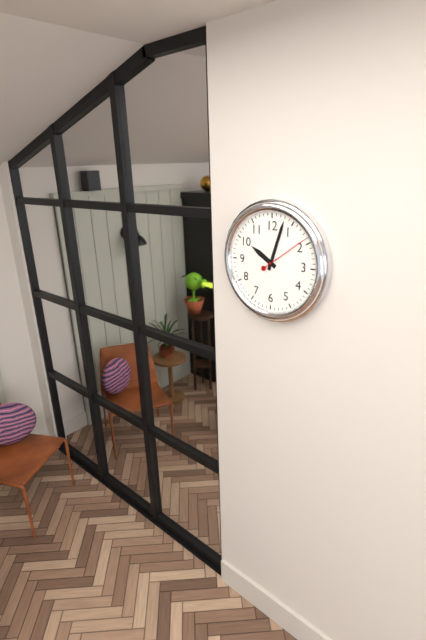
10:03:09
